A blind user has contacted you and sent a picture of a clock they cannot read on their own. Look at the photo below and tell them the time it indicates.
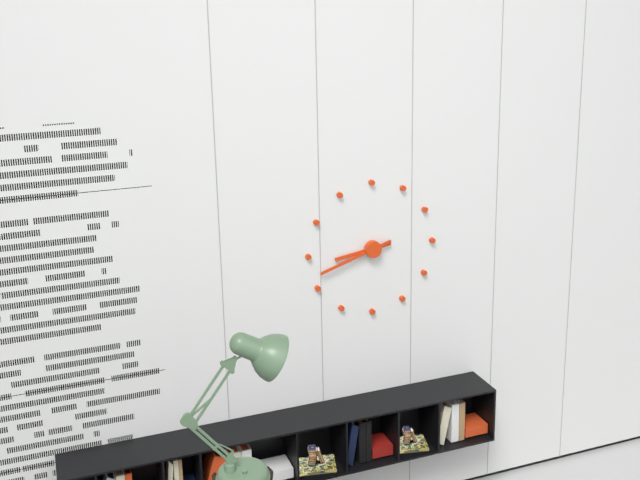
8:42
